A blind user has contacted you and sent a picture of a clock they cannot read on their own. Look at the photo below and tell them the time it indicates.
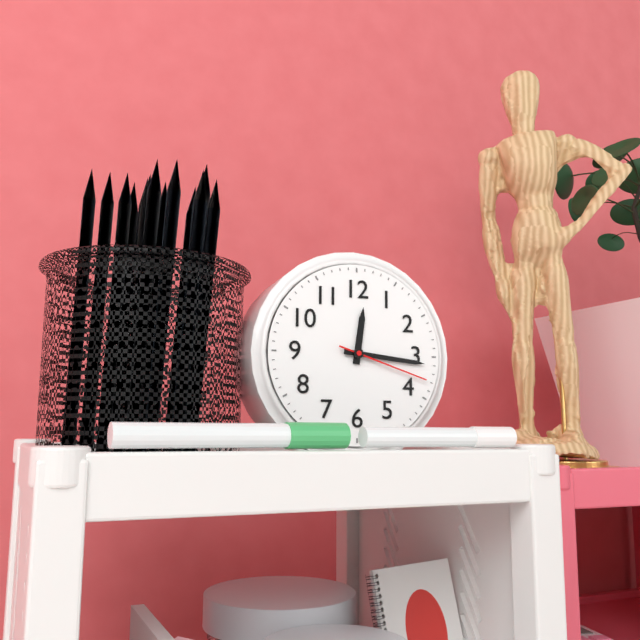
12:16:18
